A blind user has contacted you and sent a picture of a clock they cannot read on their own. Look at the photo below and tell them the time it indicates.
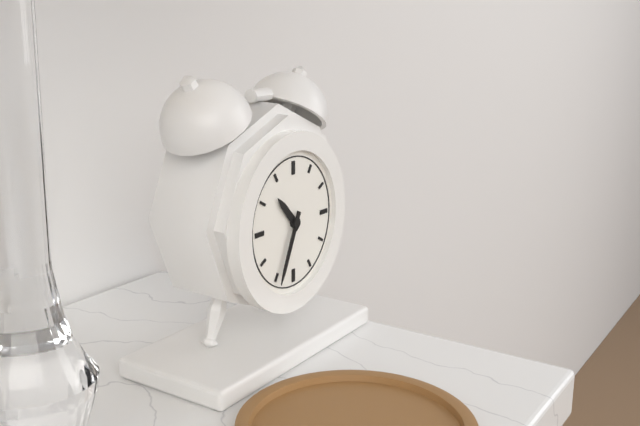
10:34
